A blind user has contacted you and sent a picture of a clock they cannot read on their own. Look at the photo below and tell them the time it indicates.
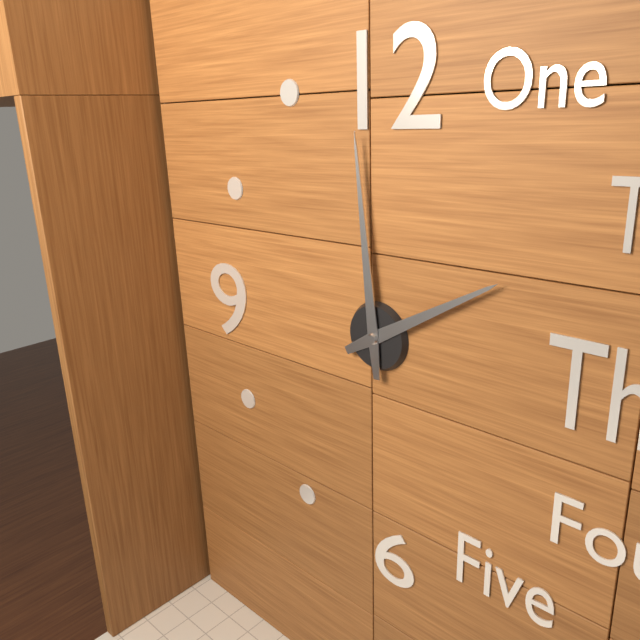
1:59
